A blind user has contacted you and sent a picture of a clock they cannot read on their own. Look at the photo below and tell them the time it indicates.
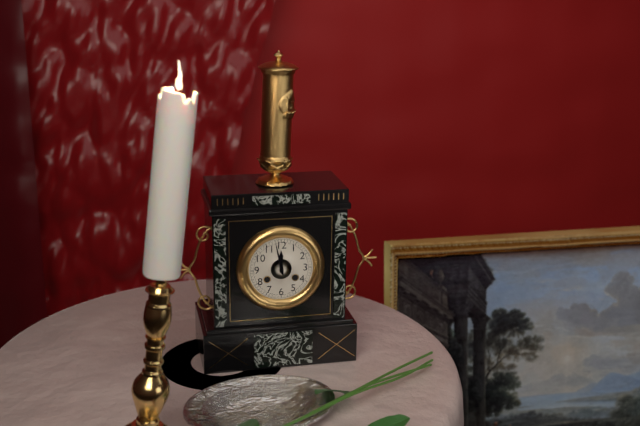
11:58
